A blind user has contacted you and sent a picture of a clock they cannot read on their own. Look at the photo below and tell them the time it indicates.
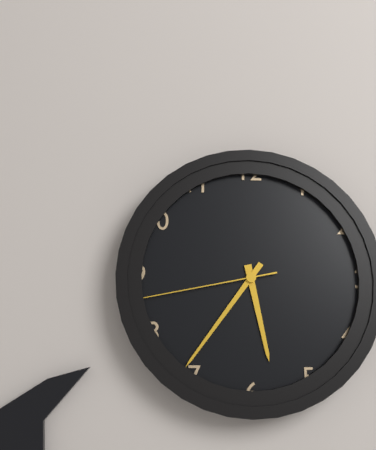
5:36:43
